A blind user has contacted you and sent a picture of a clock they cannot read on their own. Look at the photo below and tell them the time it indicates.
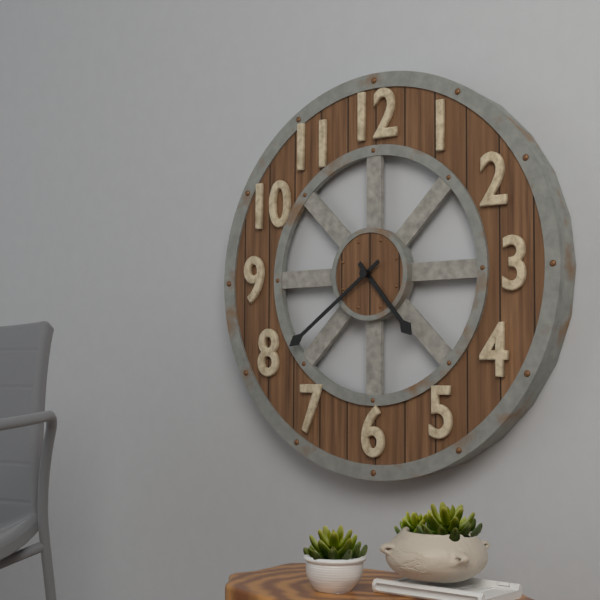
4:39
